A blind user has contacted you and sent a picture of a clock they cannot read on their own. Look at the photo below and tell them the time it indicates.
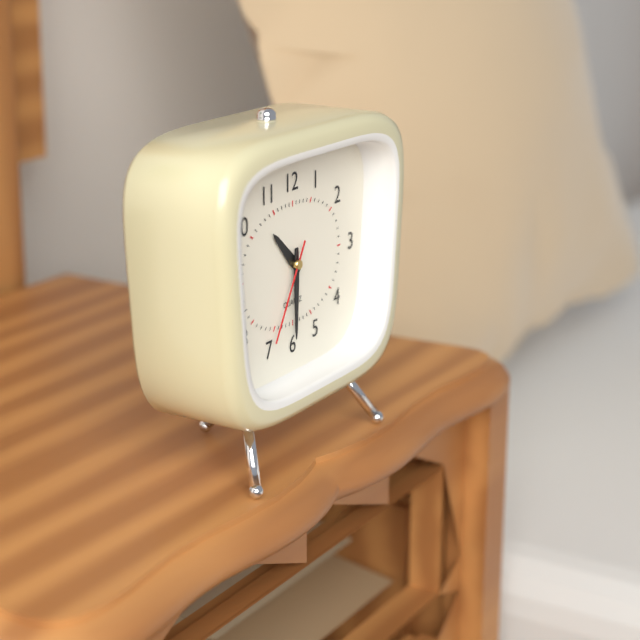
10:30:35
